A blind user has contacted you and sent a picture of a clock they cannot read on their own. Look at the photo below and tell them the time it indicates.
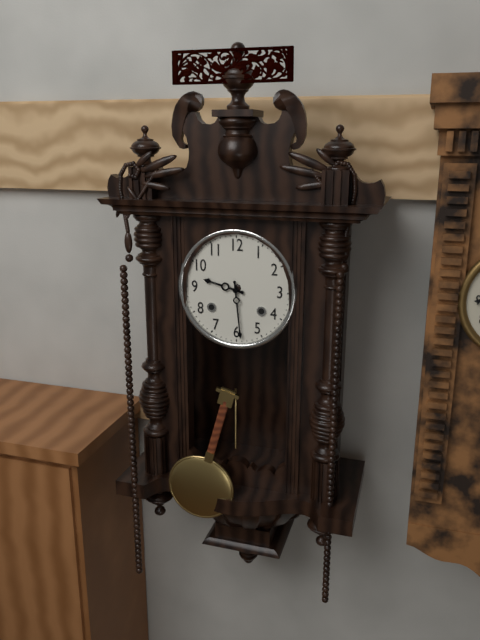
9:29
